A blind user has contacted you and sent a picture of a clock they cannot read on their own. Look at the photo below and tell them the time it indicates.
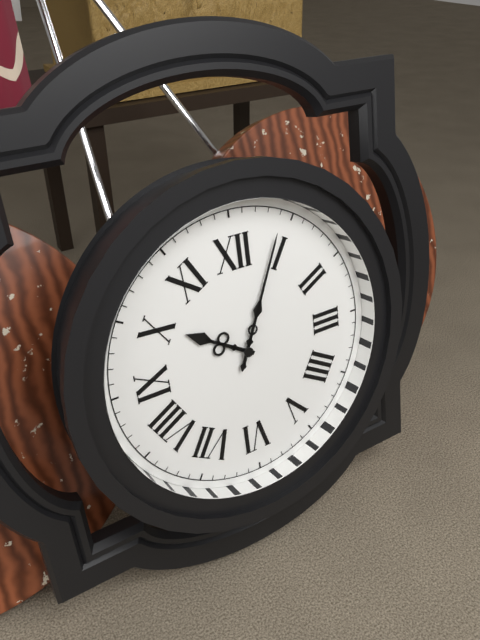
10:04
